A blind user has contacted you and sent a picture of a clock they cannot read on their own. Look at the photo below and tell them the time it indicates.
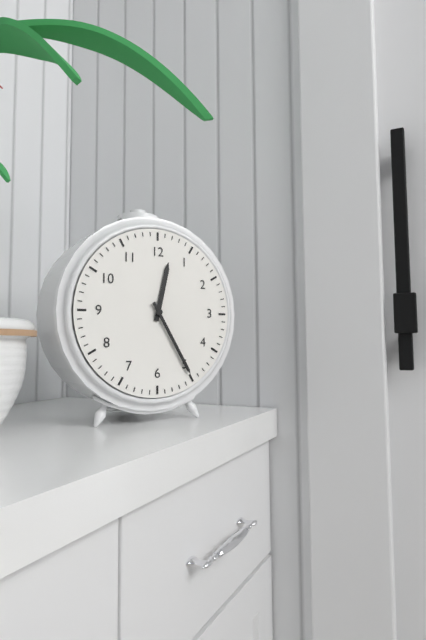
12:25
